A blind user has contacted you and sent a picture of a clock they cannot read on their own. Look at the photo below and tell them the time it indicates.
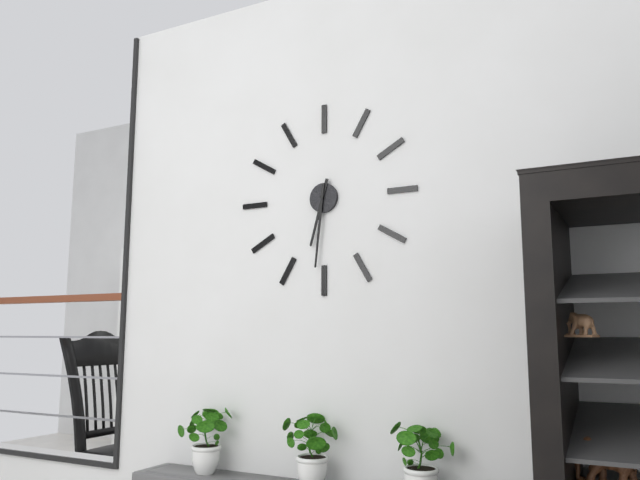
6:31
